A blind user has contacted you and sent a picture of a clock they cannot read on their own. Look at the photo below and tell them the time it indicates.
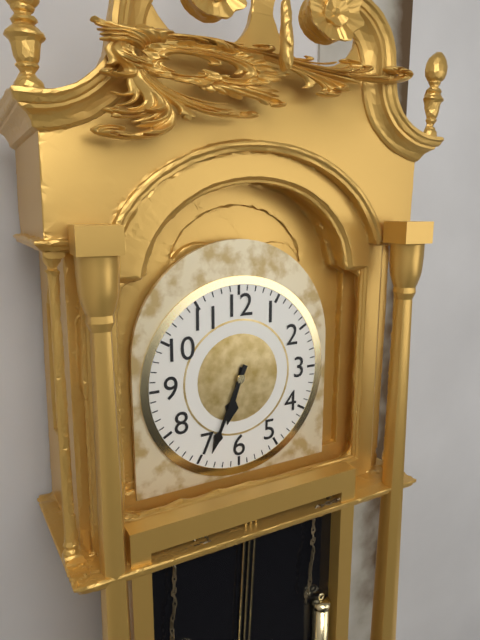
6:34
